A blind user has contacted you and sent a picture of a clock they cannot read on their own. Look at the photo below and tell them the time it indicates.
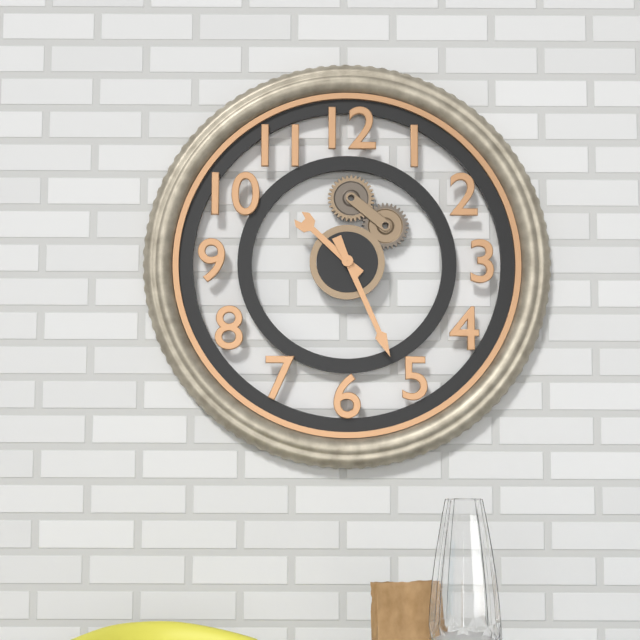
10:26
